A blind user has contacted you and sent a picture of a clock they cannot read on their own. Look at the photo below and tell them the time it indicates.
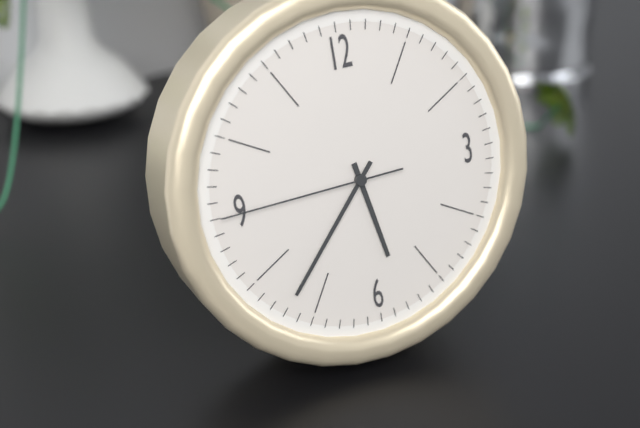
5:37:45
